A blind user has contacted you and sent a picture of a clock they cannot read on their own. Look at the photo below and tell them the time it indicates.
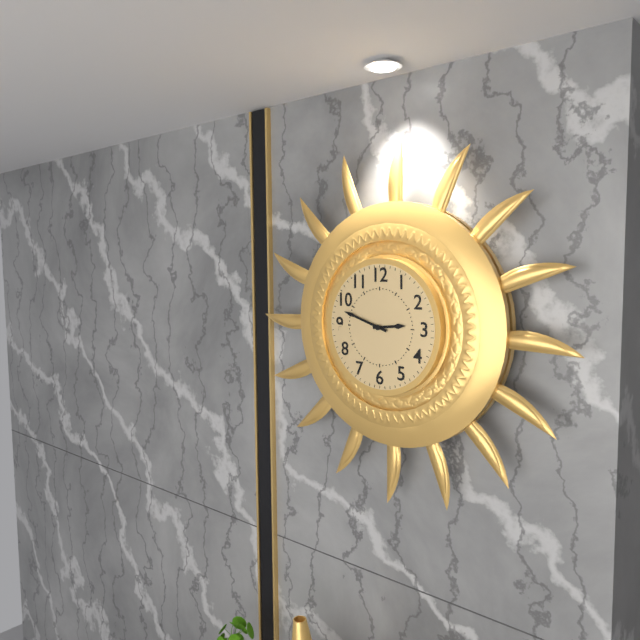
2:48
